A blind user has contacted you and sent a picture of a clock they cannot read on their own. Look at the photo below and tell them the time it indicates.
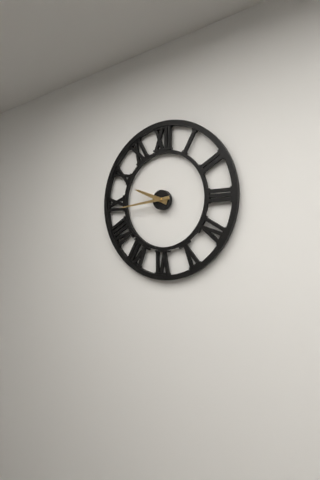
9:44
